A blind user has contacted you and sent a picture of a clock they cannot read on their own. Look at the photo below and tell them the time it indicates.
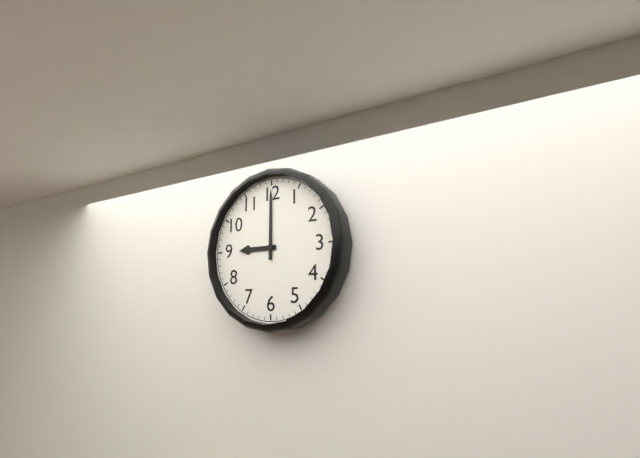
9:00
